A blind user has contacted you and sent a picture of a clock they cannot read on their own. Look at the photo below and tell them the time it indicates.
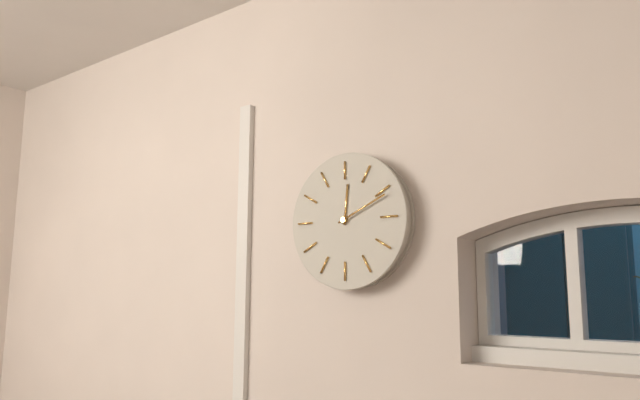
12:11
